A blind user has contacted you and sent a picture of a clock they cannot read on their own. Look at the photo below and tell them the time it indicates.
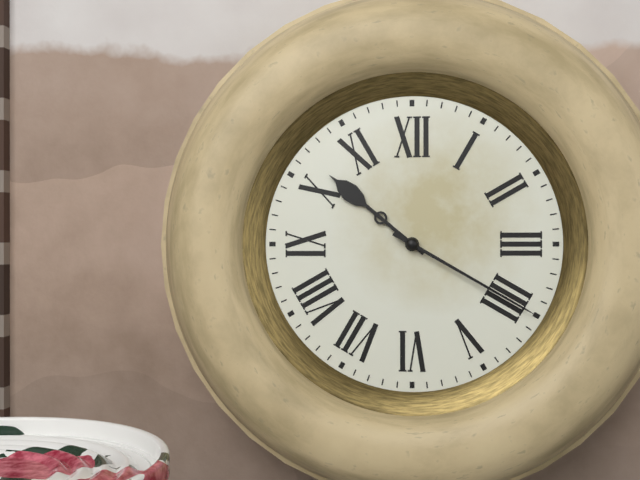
10:20
